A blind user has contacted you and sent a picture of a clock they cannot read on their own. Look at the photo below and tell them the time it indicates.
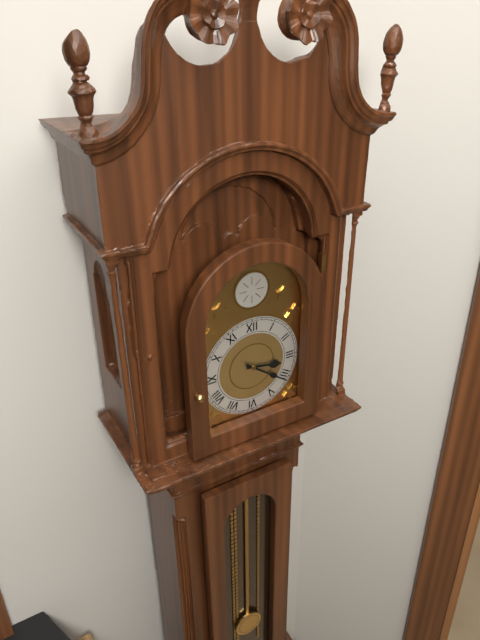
3:21
